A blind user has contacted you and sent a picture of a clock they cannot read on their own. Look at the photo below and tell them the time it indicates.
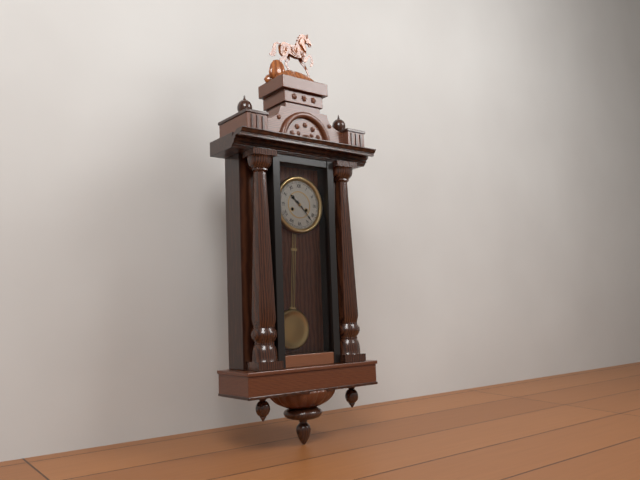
10:23
